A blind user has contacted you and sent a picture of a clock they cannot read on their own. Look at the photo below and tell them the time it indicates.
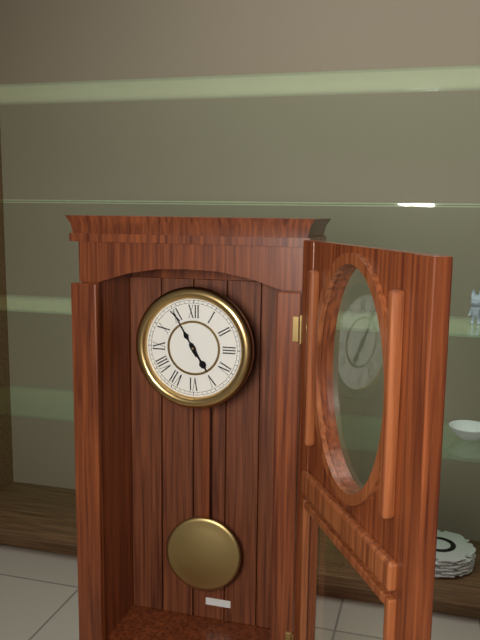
4:55
